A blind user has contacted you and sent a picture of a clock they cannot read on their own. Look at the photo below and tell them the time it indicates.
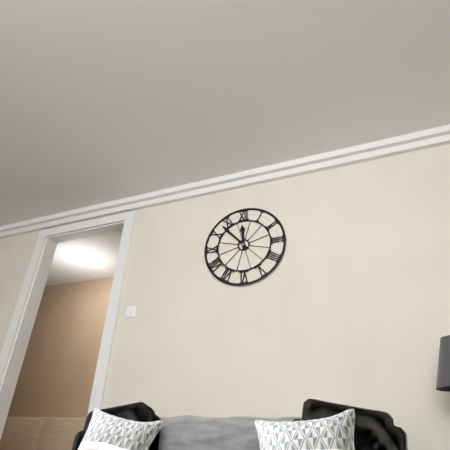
11:53
